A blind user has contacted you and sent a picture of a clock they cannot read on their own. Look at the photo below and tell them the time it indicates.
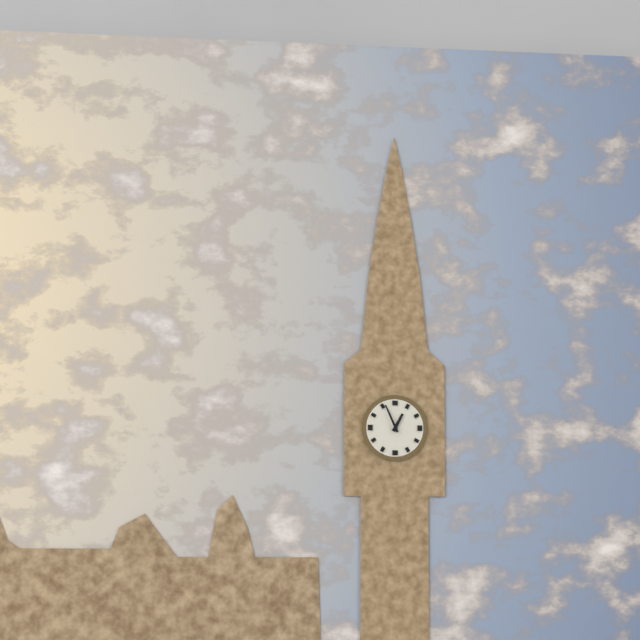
12:56
